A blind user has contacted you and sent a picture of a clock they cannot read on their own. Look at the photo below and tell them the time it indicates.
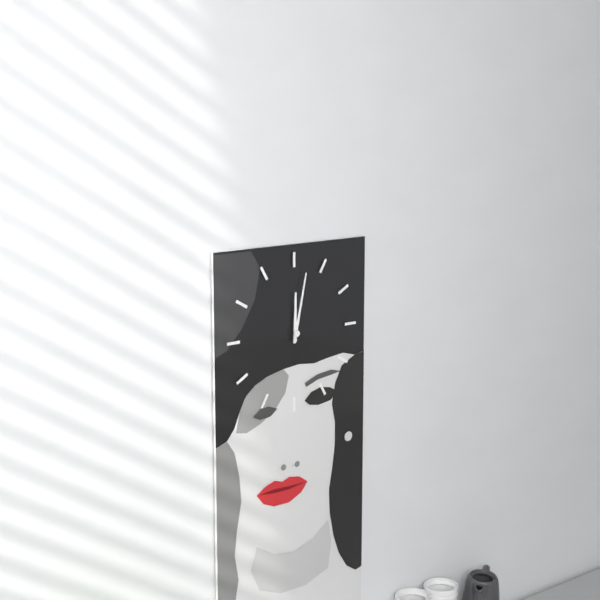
12:02
